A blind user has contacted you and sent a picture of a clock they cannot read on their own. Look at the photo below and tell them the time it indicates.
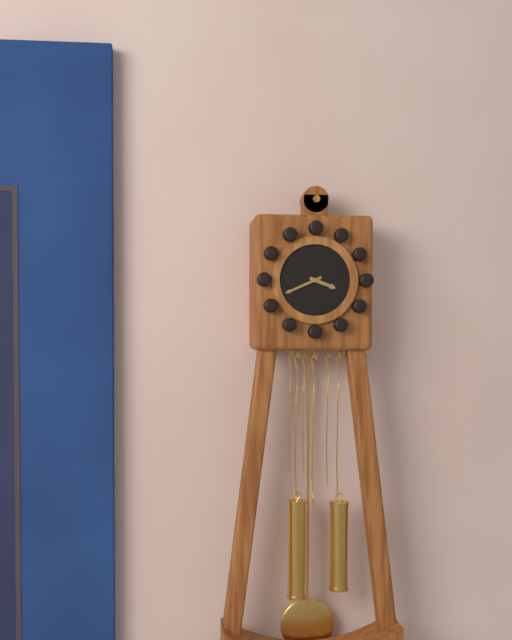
3:41
